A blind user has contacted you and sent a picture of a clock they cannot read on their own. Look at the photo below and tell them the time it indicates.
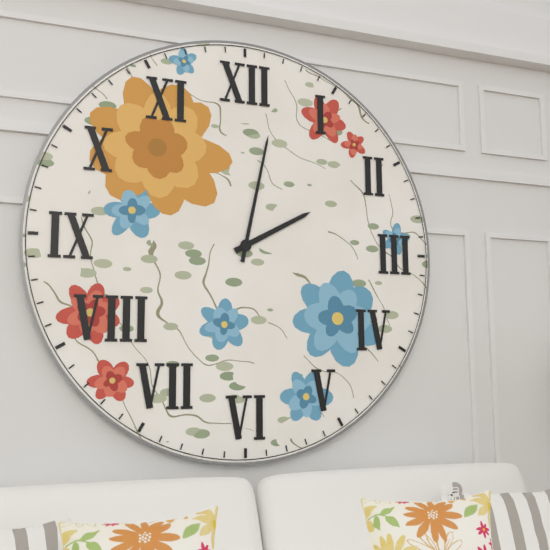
2:02
